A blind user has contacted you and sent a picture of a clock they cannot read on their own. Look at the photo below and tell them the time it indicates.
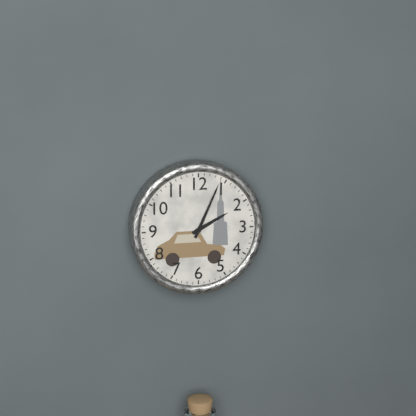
2:04
